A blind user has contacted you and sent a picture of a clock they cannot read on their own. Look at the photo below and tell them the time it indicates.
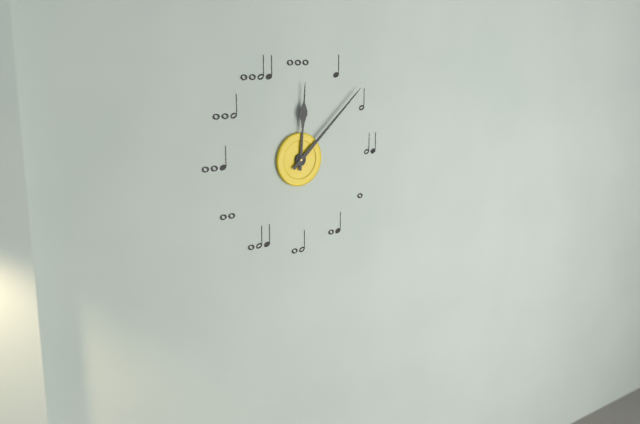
12:08
